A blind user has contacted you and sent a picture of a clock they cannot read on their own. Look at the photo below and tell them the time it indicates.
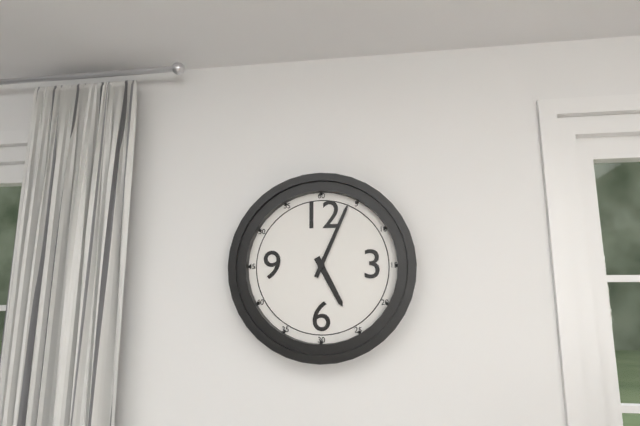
5:04
